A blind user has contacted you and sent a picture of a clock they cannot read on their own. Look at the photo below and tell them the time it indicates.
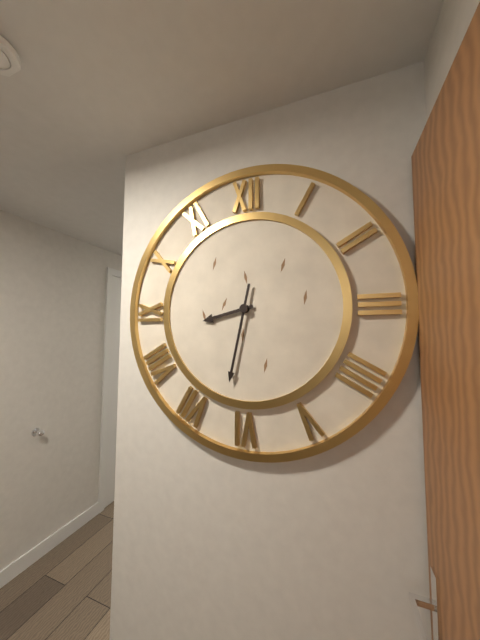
8:32
